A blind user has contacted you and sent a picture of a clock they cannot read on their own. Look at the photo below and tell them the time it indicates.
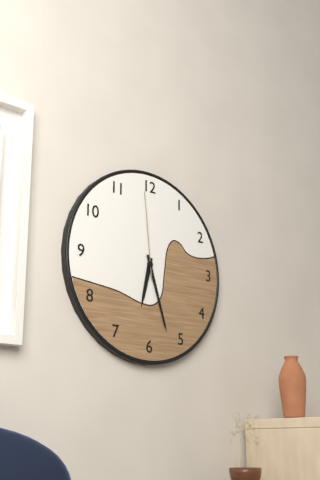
6:27:59
